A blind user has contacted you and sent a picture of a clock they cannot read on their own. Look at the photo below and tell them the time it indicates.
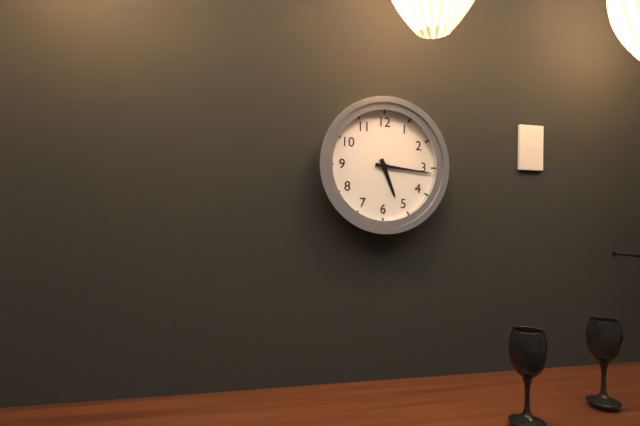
5:16
